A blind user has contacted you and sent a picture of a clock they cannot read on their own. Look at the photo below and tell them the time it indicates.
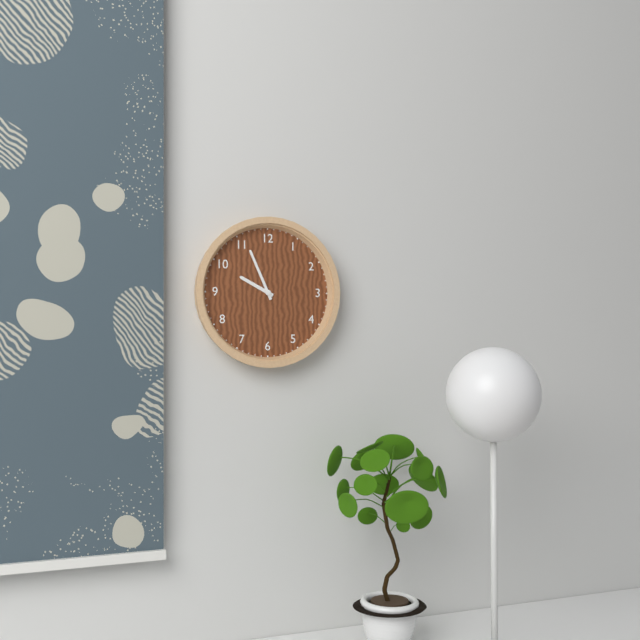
9:56
